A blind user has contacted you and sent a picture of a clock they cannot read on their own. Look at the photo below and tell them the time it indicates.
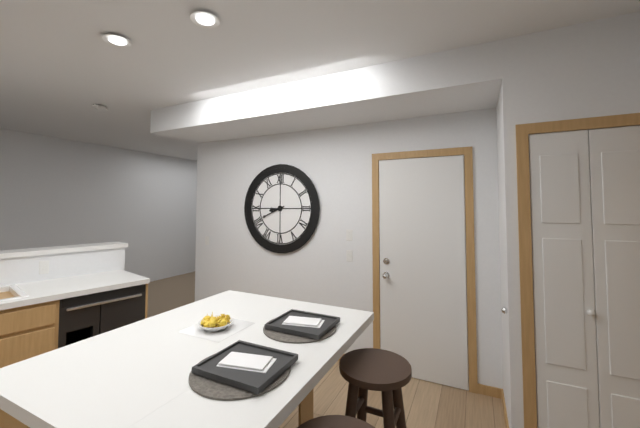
8:41
